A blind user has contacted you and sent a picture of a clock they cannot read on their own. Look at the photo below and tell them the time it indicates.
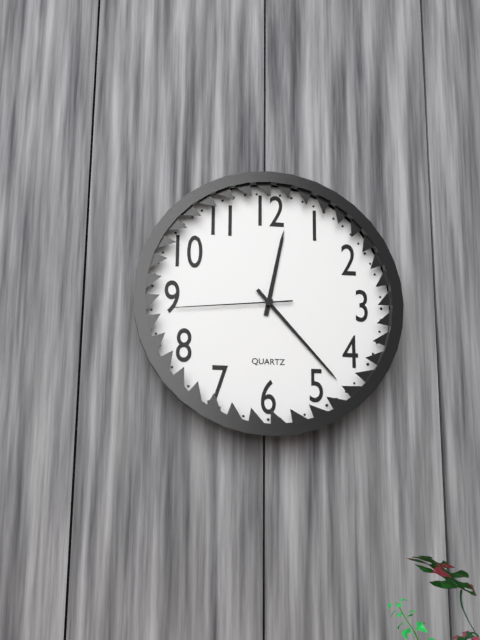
12:23:44
